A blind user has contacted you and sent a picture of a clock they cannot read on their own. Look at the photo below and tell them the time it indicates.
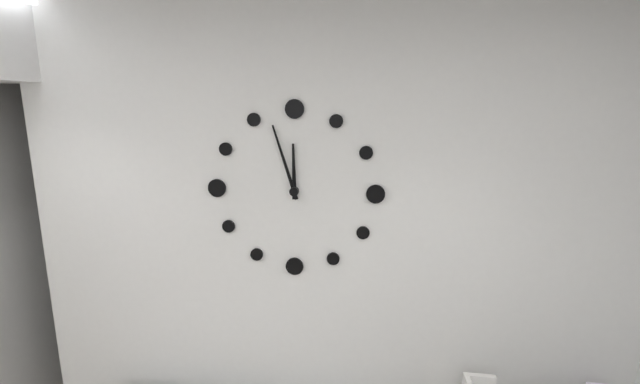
11:57
